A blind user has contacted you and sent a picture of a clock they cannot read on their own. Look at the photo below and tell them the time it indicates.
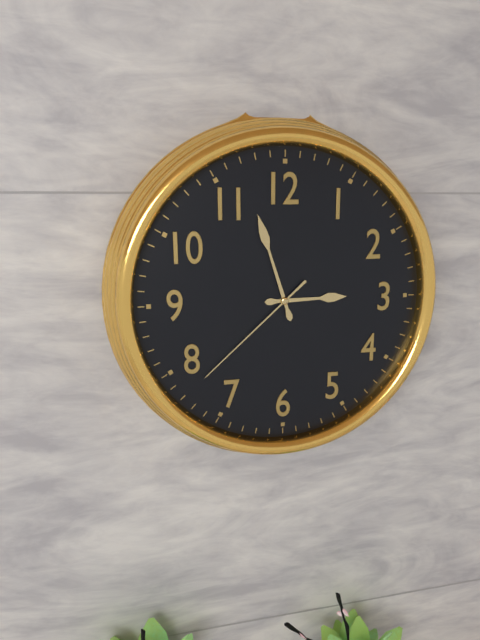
2:57:38
